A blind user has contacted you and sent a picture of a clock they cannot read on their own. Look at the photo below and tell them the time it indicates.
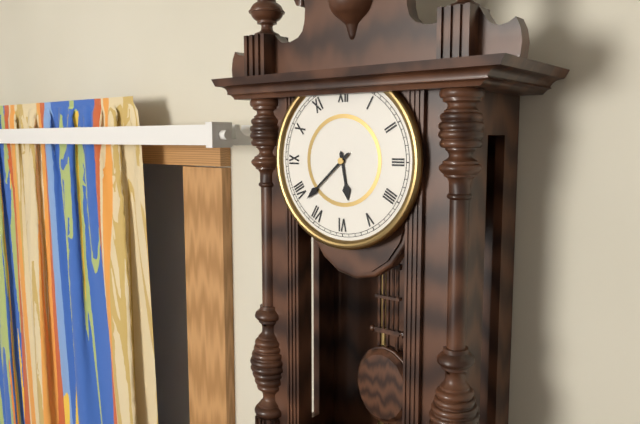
5:38
